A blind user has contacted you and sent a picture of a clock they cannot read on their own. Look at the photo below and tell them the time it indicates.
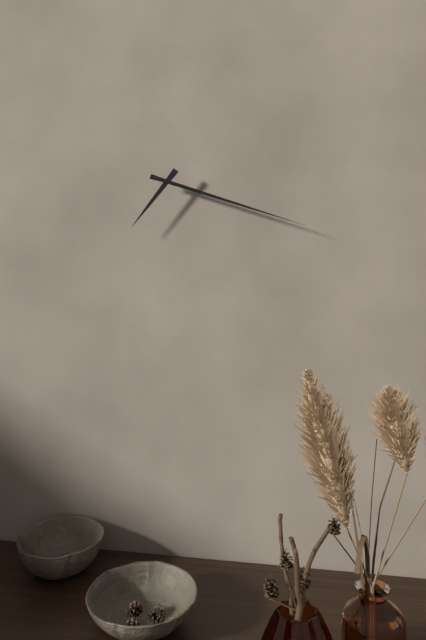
7:18
